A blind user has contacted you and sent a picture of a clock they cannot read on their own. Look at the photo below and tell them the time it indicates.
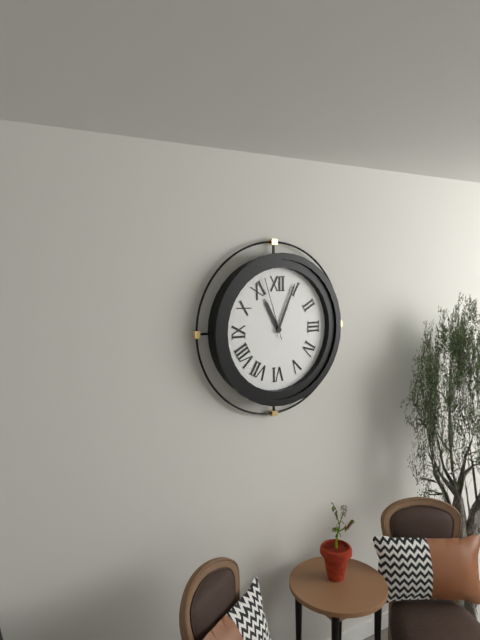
11:04:57
